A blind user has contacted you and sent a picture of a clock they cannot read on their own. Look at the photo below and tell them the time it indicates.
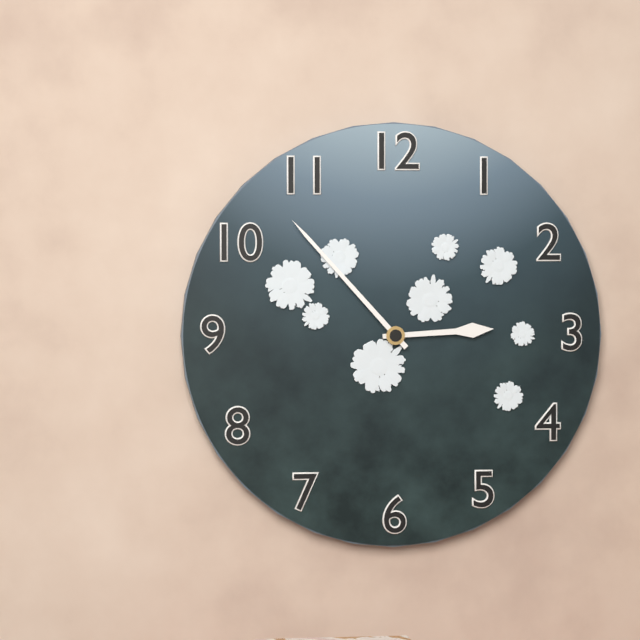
2:53
